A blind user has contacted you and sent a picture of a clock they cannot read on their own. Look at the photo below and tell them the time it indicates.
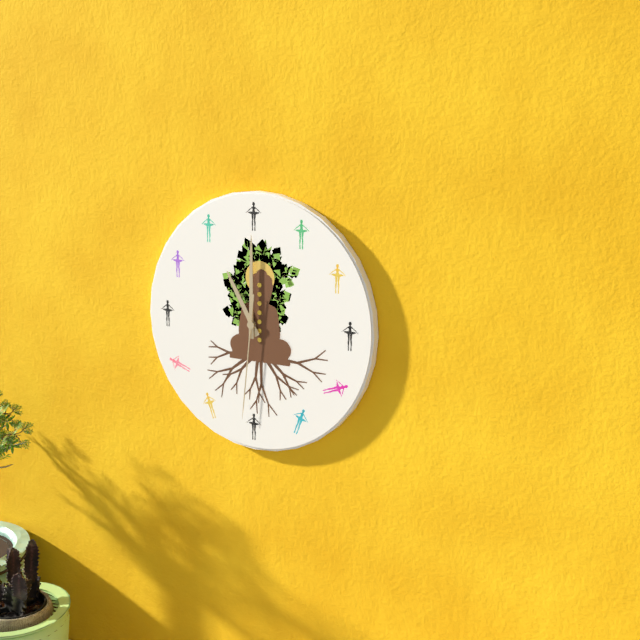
11:00:31
